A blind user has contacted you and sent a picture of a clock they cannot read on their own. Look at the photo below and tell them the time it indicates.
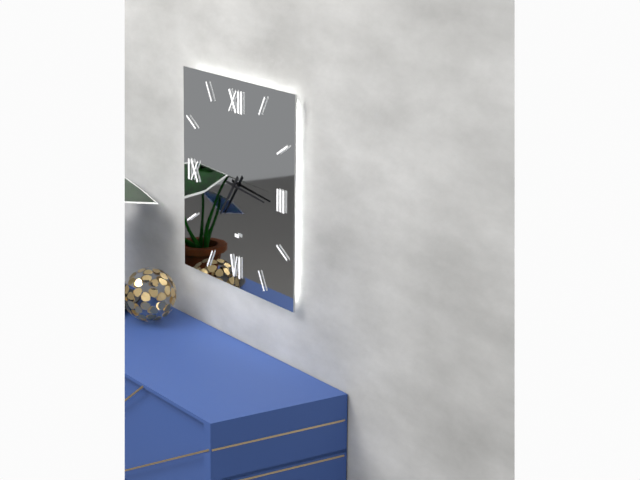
7:16
